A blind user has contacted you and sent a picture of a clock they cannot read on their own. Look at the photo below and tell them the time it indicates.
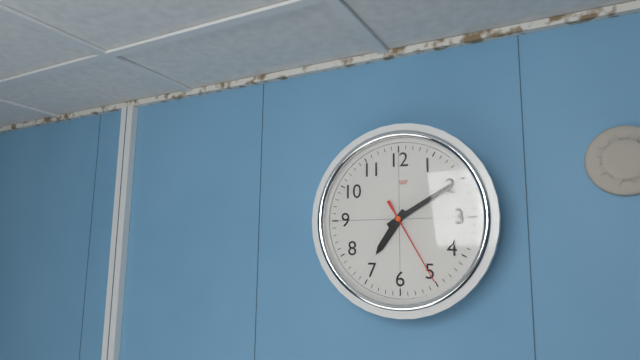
7:10:25
